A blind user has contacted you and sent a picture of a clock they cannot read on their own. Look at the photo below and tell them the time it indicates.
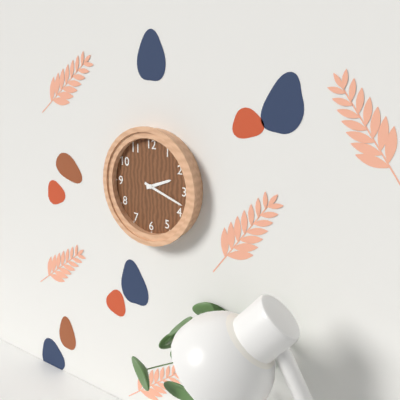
2:18
